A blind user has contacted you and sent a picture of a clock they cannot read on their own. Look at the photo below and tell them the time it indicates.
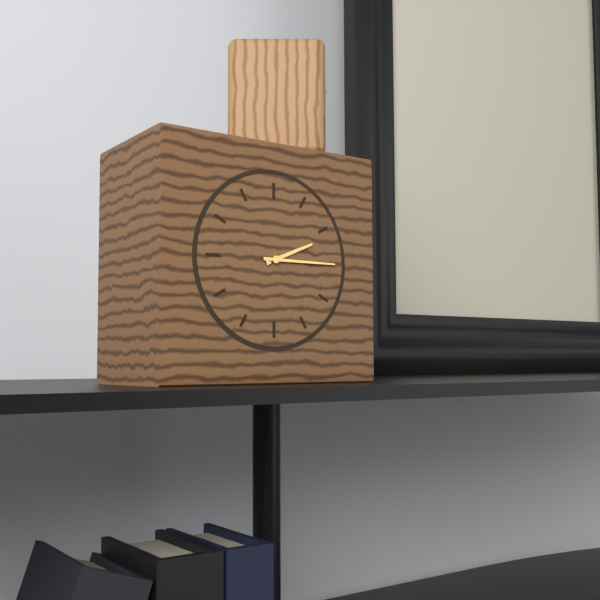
2:15
